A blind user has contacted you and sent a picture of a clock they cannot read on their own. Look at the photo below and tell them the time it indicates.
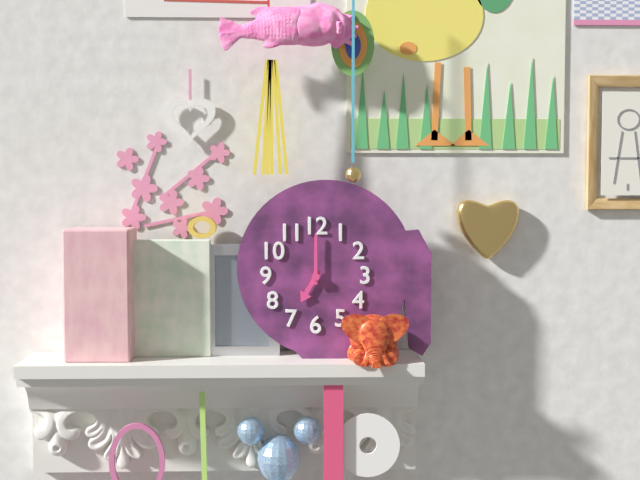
7:00
